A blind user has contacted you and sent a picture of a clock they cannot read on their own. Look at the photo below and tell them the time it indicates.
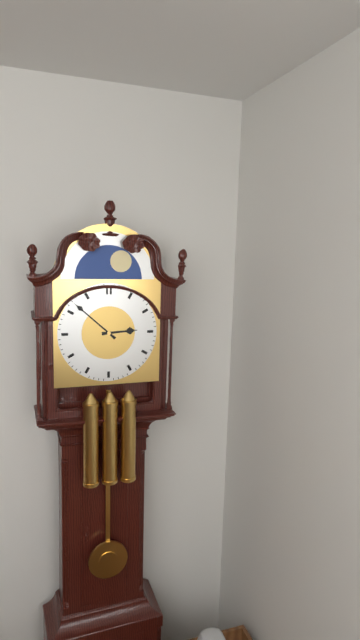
2:52
